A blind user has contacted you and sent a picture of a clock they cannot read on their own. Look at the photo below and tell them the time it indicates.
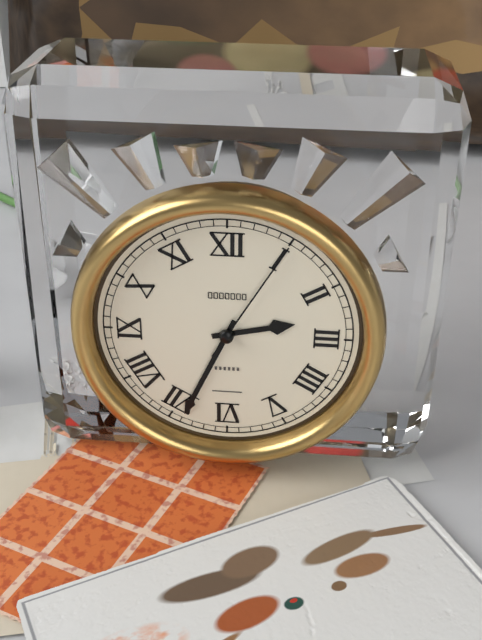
2:34:05
